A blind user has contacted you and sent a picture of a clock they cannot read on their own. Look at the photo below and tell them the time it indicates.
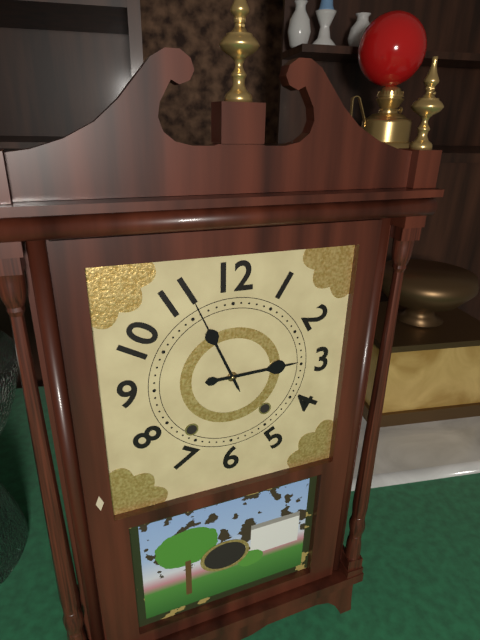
2:56
